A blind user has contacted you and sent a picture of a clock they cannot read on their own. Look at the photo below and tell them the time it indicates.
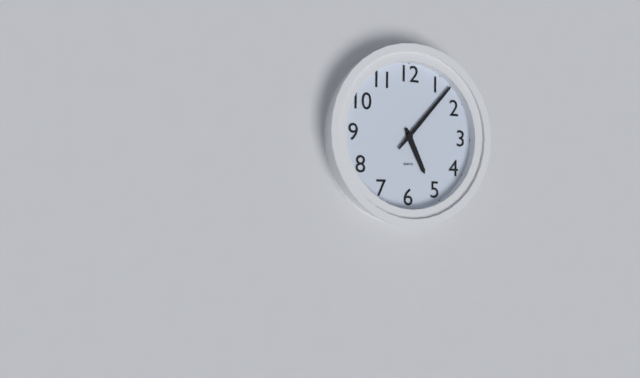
5:07
